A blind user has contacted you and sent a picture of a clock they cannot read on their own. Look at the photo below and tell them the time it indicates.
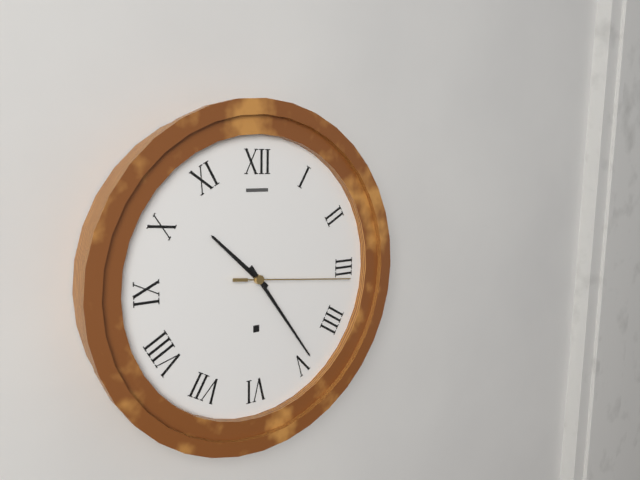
10:24:16
